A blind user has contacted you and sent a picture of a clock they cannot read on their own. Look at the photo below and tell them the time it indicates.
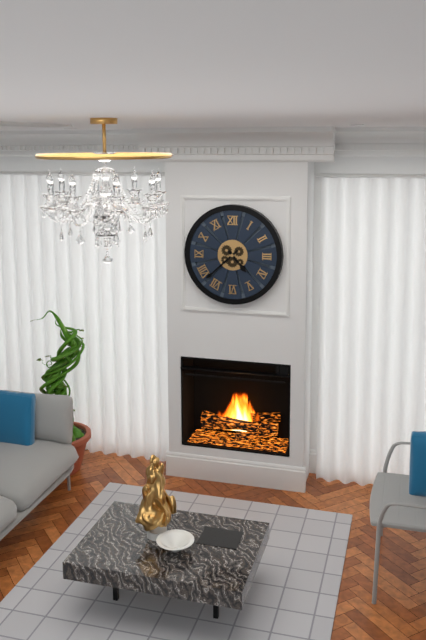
4:38
